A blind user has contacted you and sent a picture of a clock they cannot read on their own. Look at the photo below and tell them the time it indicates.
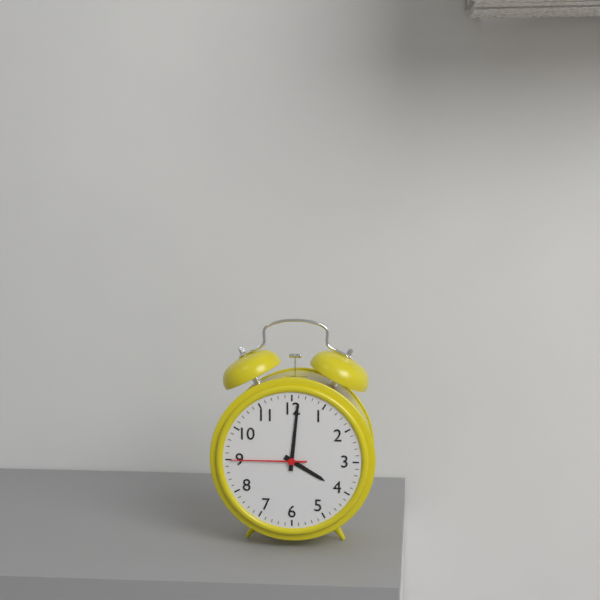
4:01:45
